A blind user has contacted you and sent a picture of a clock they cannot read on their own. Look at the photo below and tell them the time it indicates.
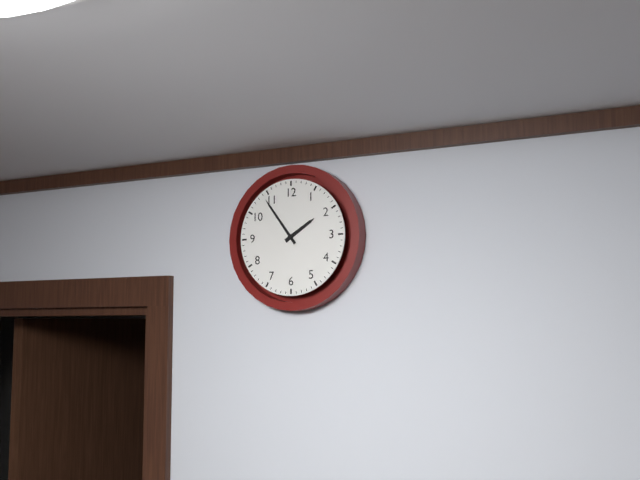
1:54
